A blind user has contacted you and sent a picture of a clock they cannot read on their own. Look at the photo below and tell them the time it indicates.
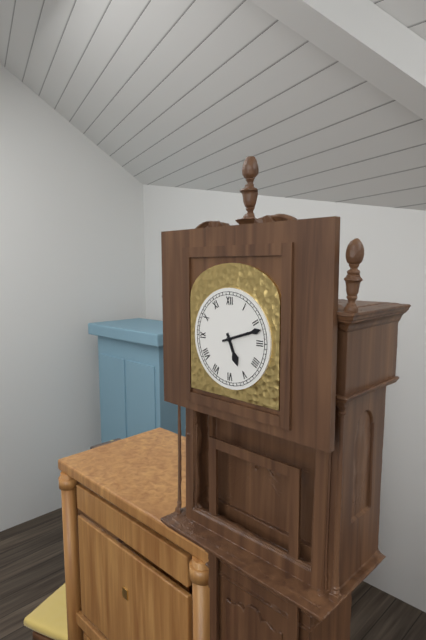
5:12
